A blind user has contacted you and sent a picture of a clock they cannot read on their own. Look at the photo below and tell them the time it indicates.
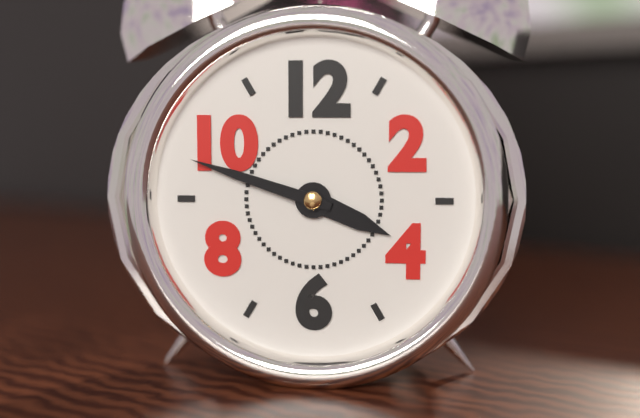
3:48
